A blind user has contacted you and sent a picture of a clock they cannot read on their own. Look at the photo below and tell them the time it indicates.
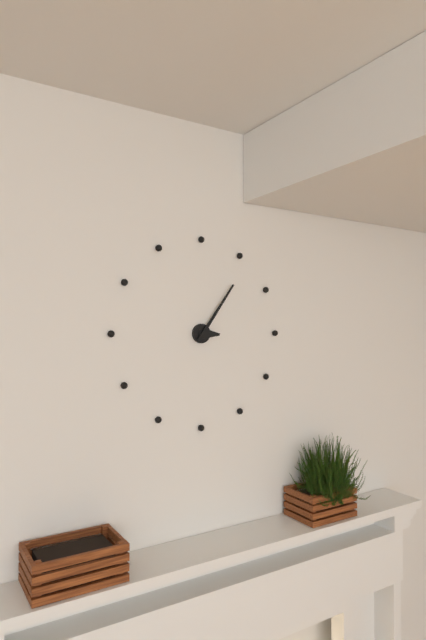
3:06
